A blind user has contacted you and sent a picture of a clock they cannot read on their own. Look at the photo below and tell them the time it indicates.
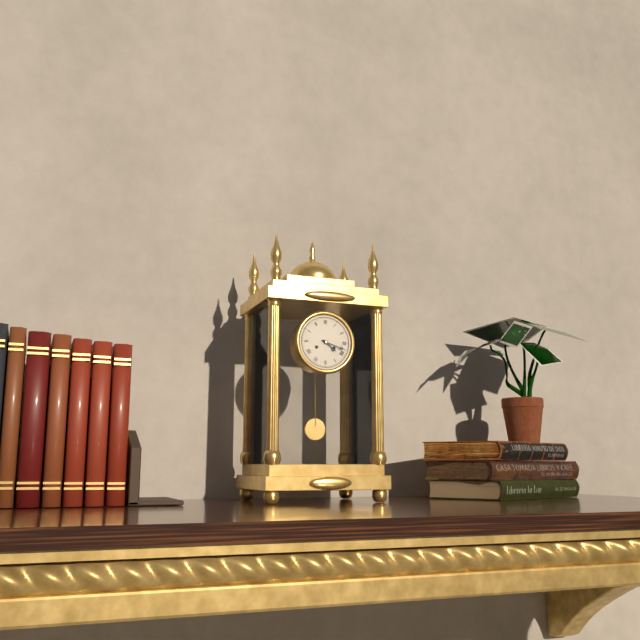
4:18
